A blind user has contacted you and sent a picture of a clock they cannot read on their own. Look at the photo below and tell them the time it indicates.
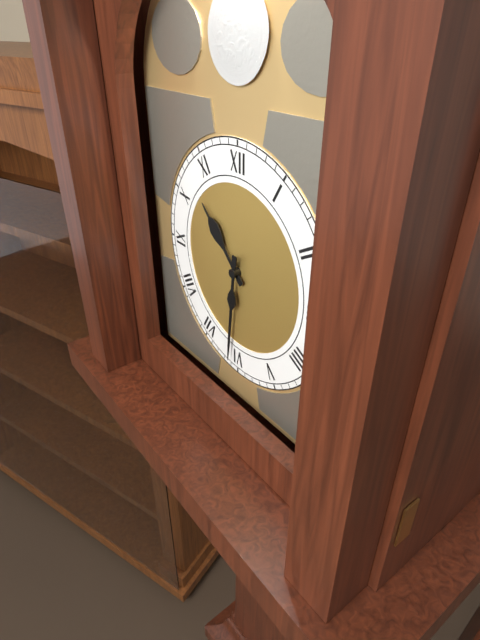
10:31
